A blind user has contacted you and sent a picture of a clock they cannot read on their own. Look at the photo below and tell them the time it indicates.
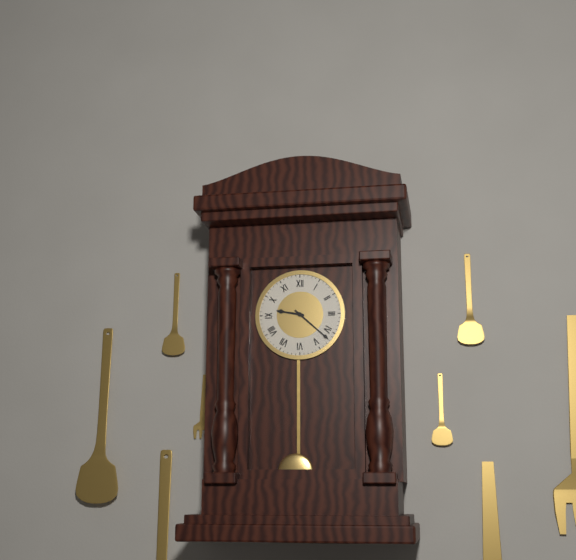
9:22
